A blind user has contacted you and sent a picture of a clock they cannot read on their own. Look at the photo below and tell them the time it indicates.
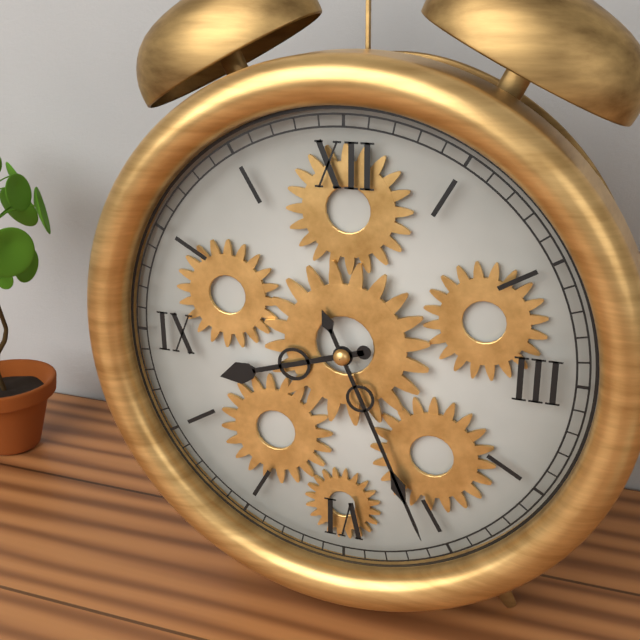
8:26
